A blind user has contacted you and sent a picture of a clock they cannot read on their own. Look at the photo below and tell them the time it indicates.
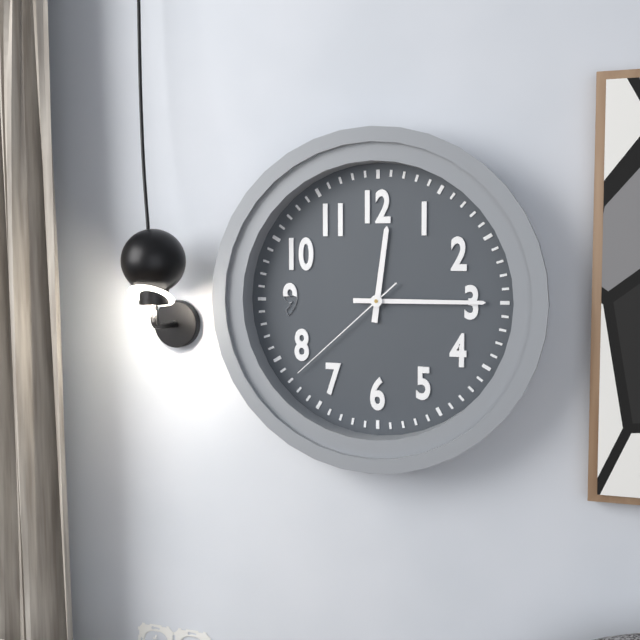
12:15:38
